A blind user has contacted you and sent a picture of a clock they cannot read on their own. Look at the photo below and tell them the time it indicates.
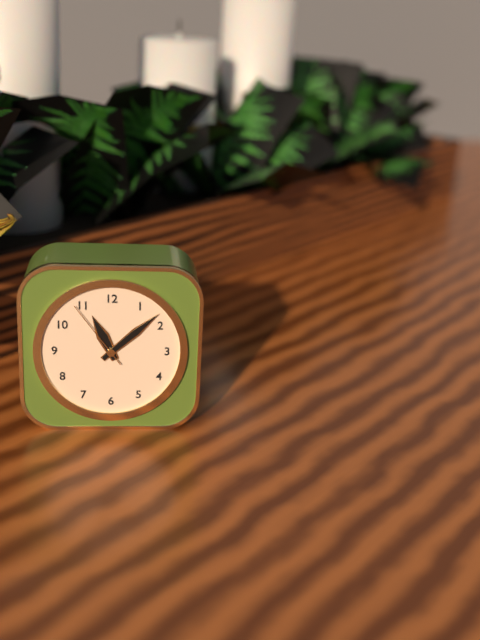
11:08:54
